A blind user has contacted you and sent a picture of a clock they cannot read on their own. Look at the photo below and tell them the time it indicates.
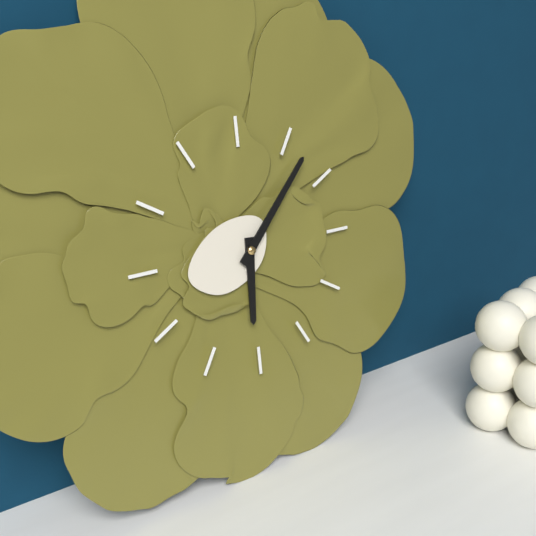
6:07
